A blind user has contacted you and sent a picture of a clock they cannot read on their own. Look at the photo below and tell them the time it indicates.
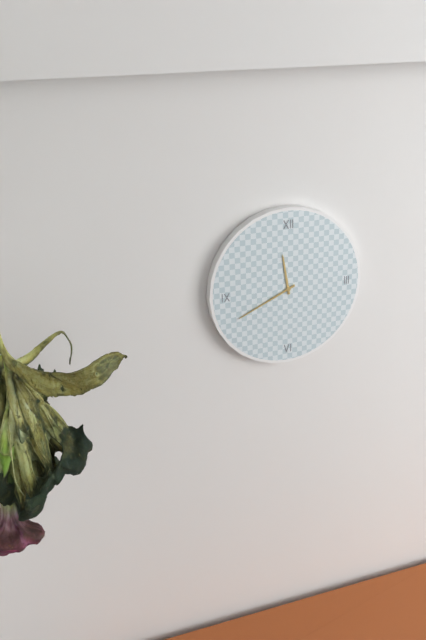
11:41
